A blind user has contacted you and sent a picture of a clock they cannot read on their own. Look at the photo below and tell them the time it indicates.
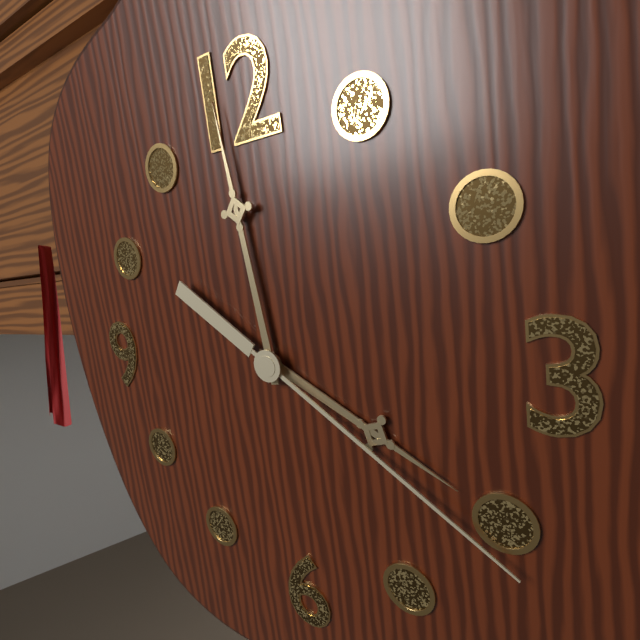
3:59:21
